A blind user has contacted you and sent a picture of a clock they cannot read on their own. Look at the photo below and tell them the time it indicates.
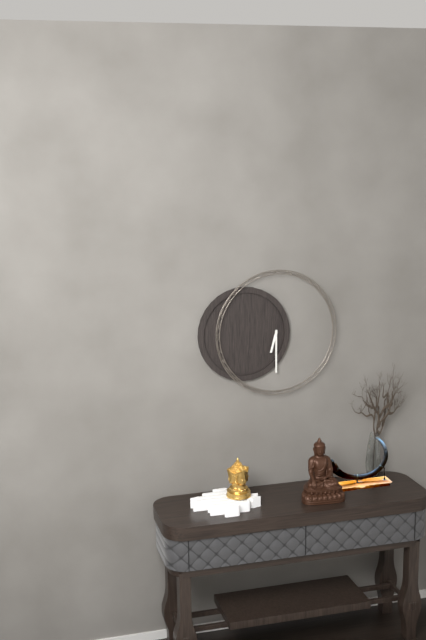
6:30
